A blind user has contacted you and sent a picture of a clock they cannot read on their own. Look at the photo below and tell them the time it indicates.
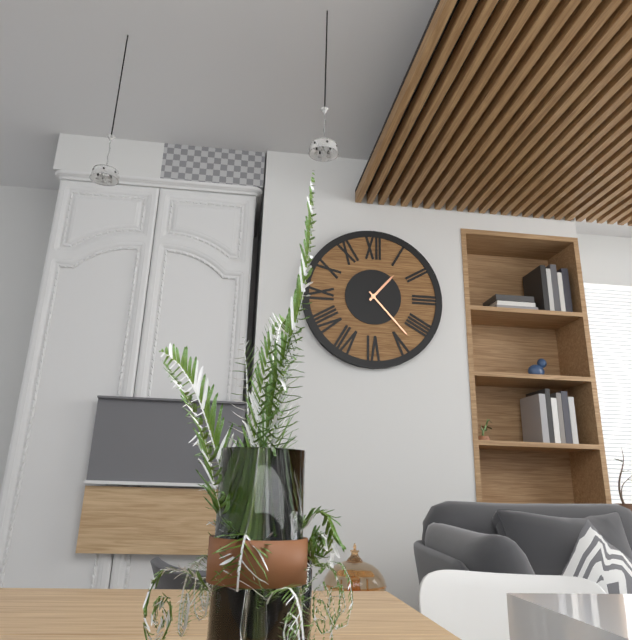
1:23
